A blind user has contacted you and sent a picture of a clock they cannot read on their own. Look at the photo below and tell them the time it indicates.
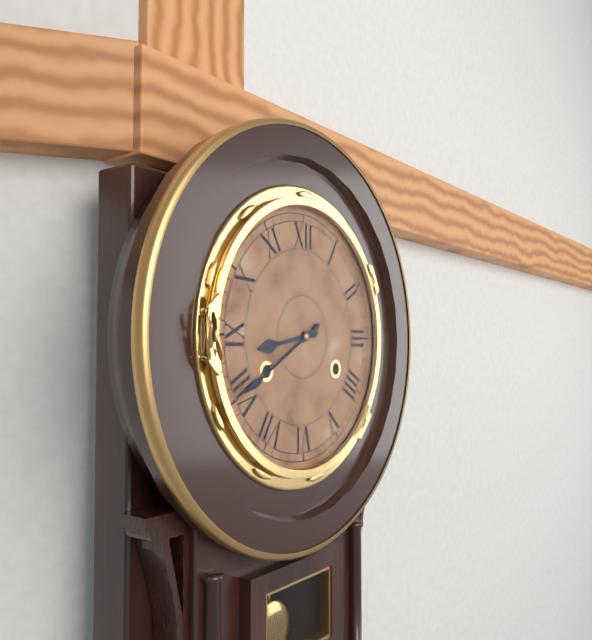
8:40
